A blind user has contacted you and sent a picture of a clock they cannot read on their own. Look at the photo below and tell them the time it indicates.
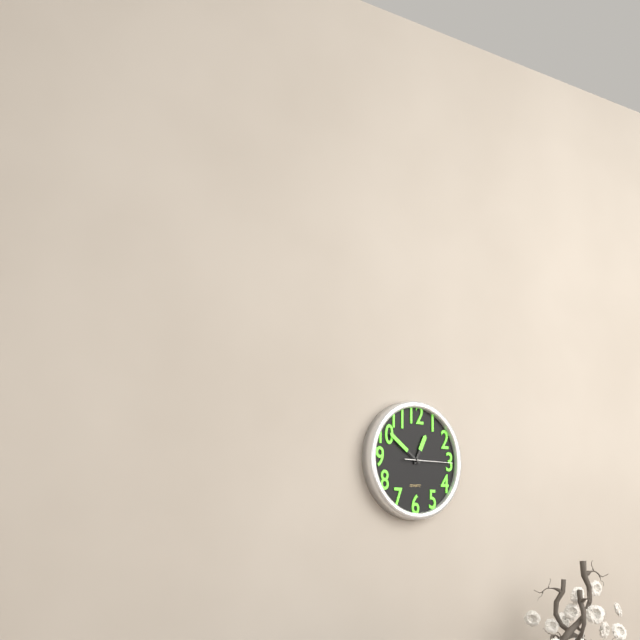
12:51:15
